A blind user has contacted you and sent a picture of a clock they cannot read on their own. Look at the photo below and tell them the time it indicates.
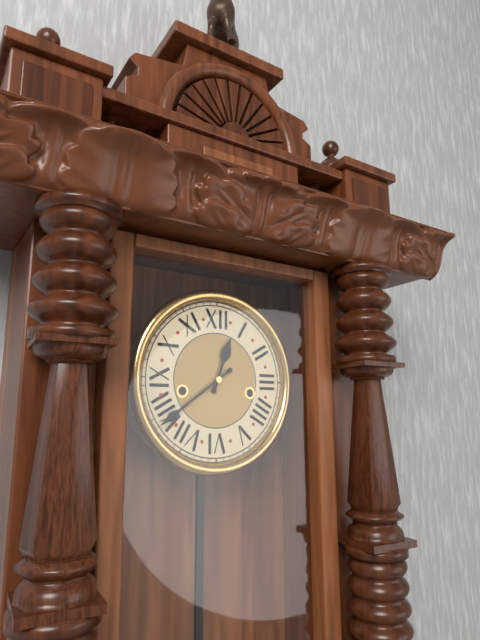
12:39
